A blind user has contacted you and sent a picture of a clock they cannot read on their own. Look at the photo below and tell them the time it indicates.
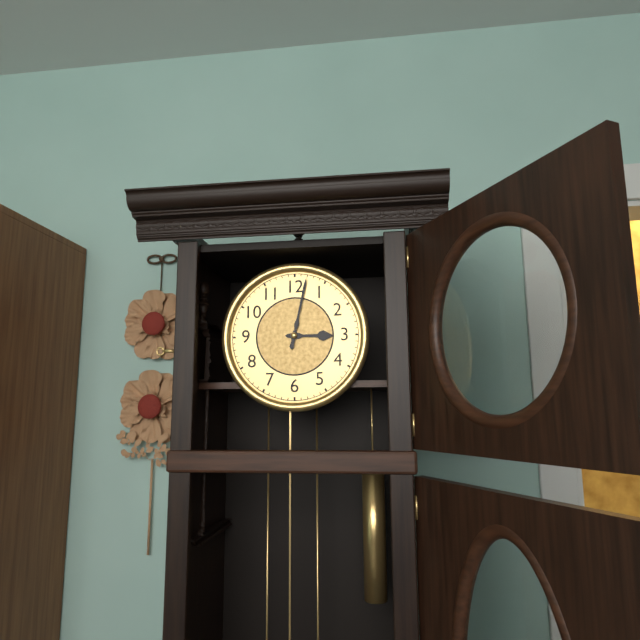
3:02
